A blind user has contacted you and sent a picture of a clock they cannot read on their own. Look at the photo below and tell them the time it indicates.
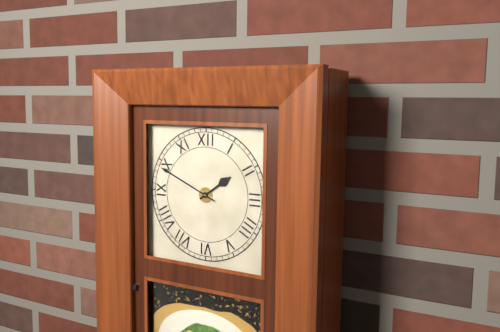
1:49
